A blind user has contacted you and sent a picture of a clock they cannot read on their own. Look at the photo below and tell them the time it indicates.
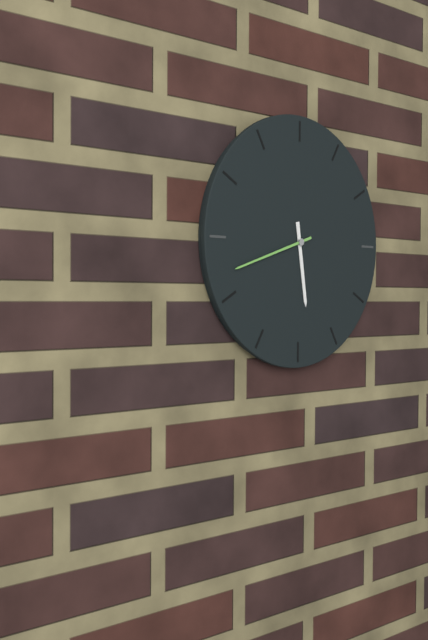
5:42
